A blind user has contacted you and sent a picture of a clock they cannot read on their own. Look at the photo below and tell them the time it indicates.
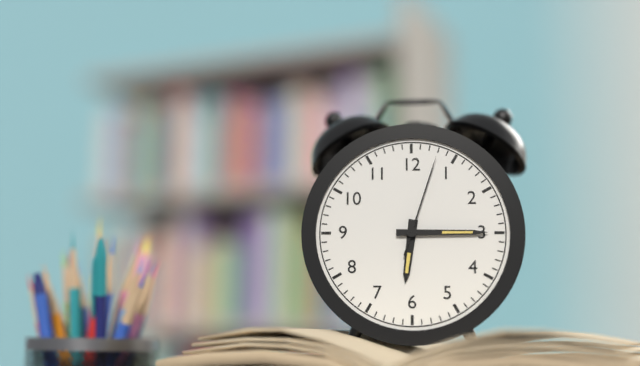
6:15:03
